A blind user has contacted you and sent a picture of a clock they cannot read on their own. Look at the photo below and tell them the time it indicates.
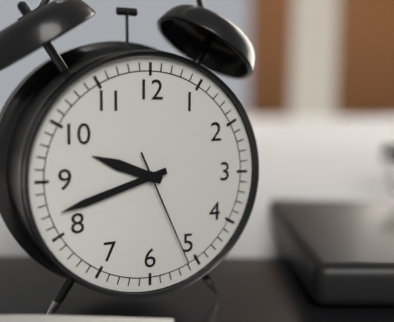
9:42:26
